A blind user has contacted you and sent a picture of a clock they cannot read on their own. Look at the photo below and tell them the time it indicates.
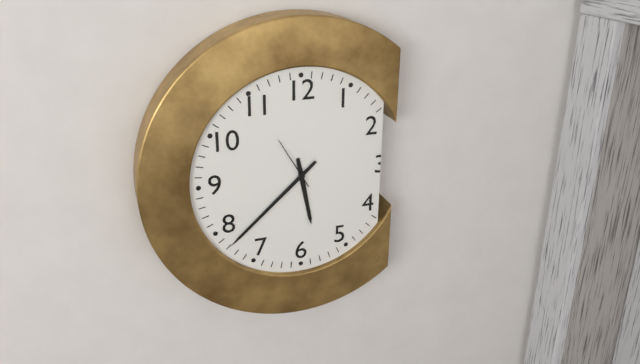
5:38:55
